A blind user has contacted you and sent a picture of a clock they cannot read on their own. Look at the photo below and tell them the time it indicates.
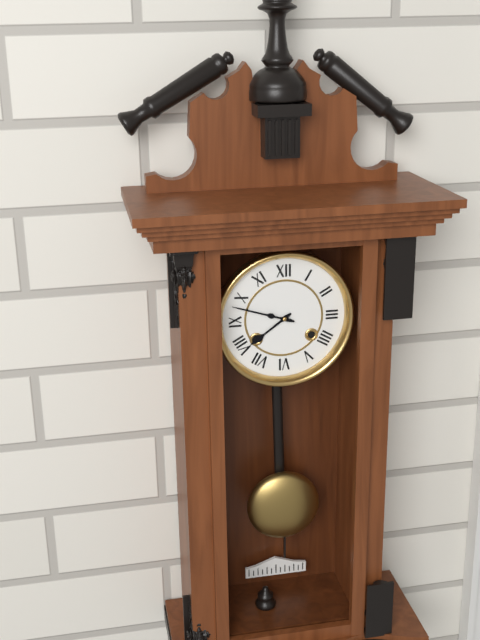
7:48
